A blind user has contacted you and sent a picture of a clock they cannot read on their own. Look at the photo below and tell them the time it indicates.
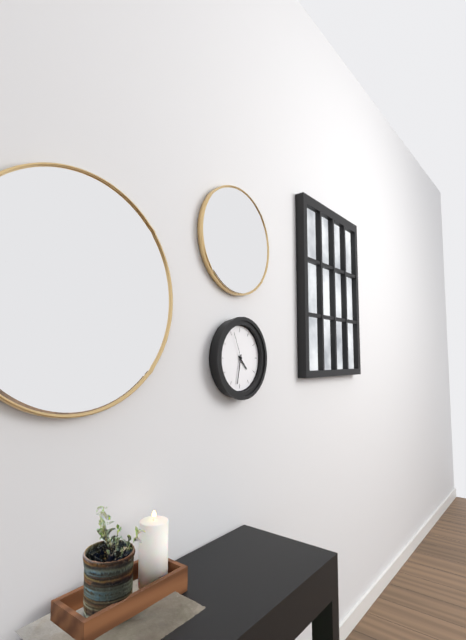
4:32
